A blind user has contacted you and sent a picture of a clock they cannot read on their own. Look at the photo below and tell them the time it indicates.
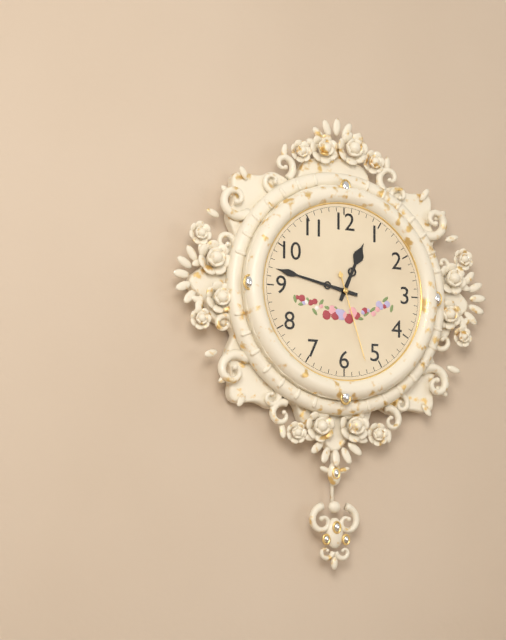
12:47:27
